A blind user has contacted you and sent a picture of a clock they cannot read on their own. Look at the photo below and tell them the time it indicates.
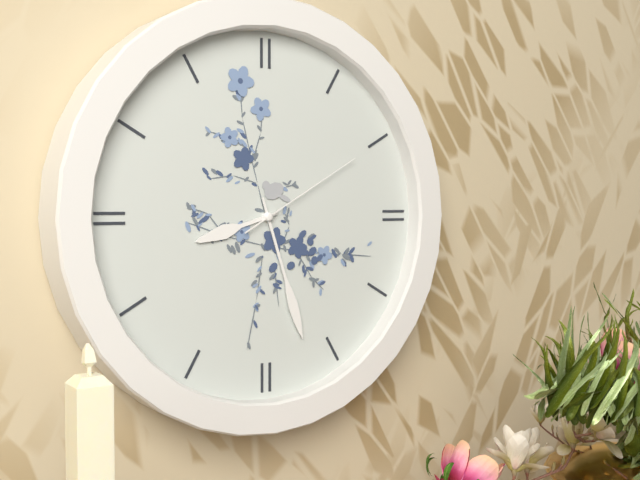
8:27:10
